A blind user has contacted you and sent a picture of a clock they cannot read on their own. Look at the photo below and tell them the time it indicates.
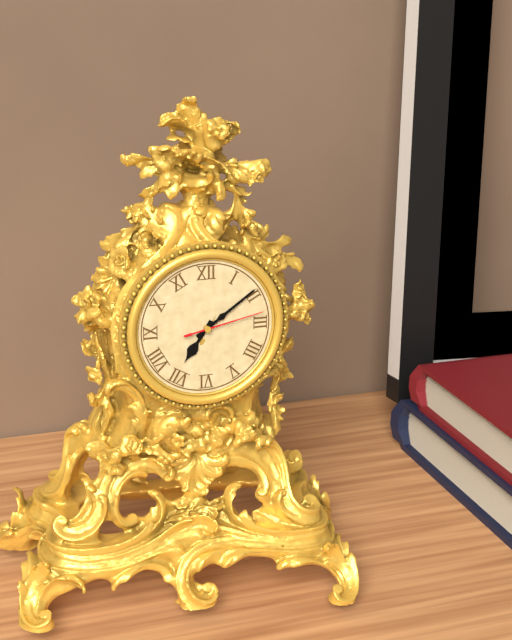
7:09:13
